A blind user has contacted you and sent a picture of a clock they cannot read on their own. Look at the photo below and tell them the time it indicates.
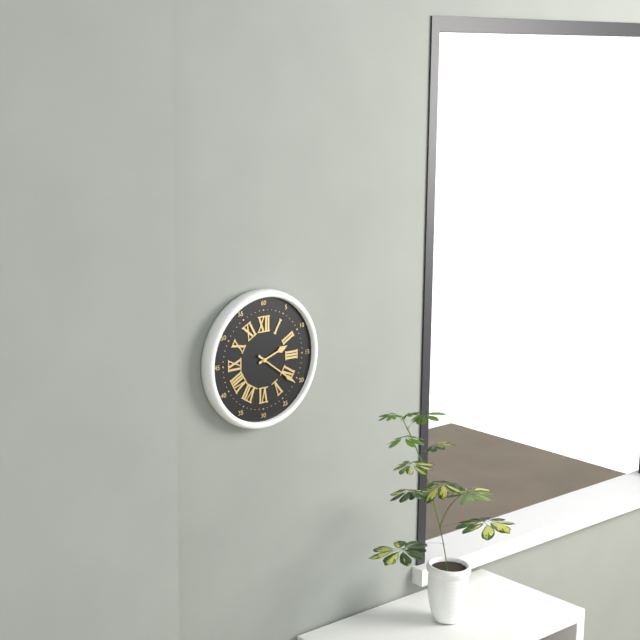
2:21
